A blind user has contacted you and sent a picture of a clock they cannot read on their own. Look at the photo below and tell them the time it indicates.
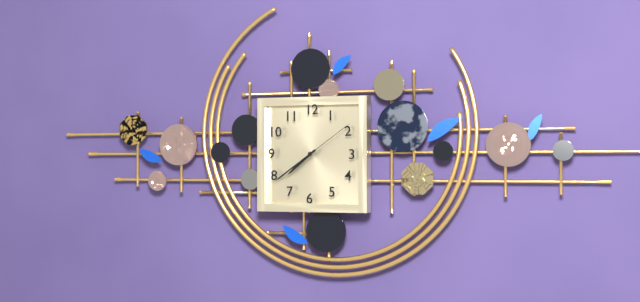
7:39:09
